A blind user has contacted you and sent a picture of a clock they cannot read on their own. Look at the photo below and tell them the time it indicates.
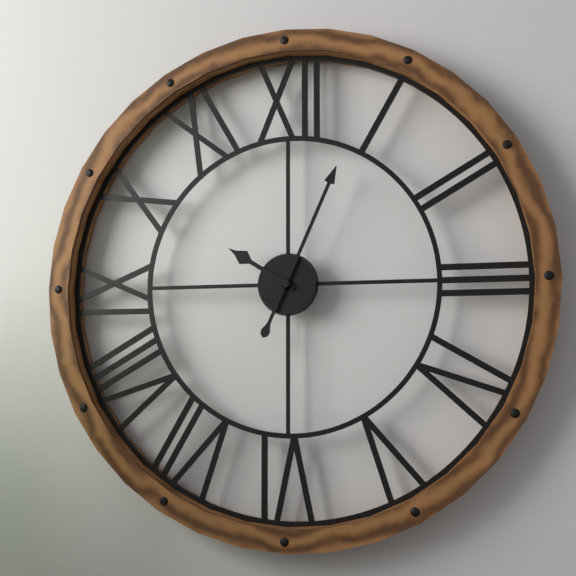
10:04
